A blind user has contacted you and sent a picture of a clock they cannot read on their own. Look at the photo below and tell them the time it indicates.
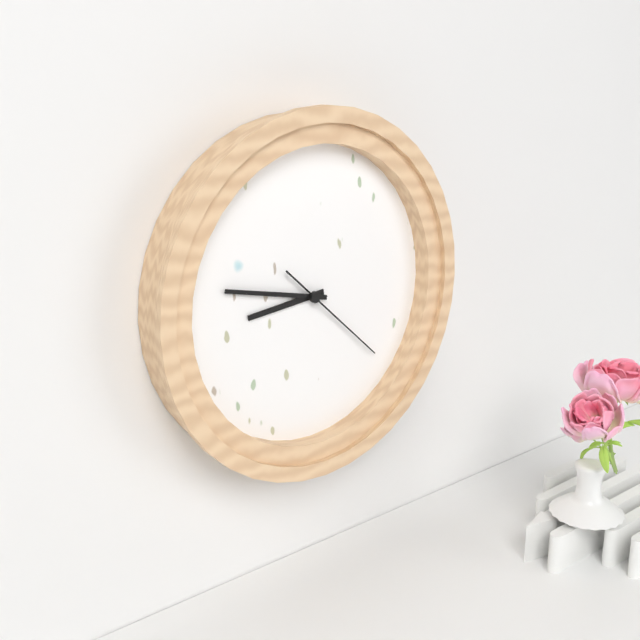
8:47:22
